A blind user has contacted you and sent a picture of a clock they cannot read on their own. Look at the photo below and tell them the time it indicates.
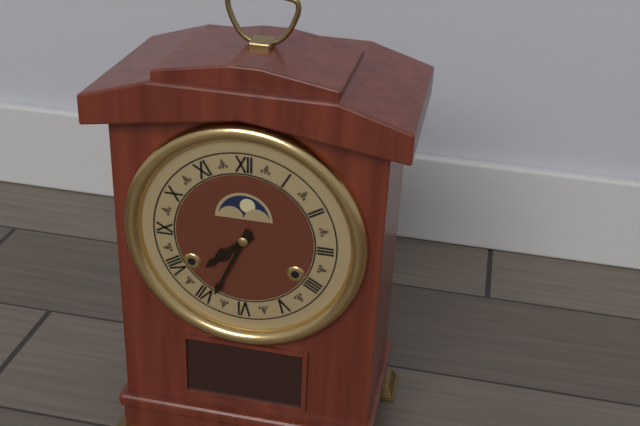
7:34
